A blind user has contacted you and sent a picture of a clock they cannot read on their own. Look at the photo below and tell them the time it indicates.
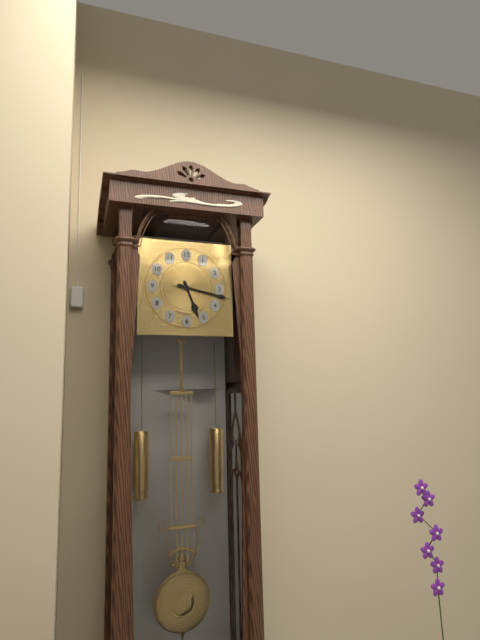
5:17
